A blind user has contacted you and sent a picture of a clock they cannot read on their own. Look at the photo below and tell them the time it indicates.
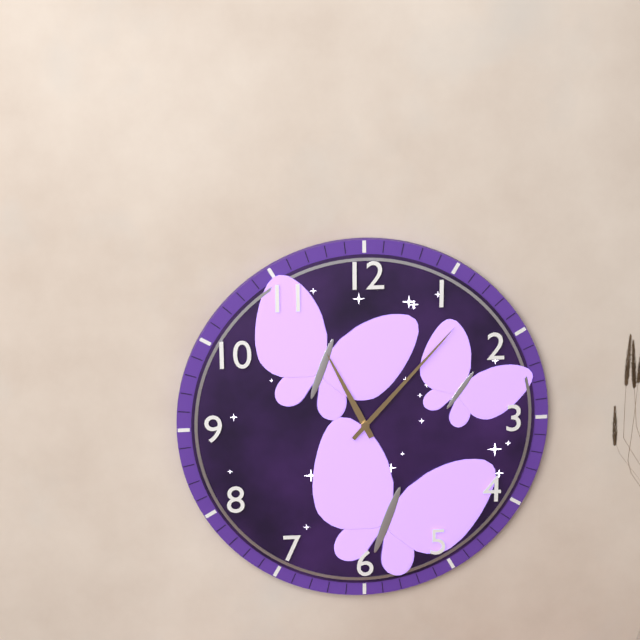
11:07
